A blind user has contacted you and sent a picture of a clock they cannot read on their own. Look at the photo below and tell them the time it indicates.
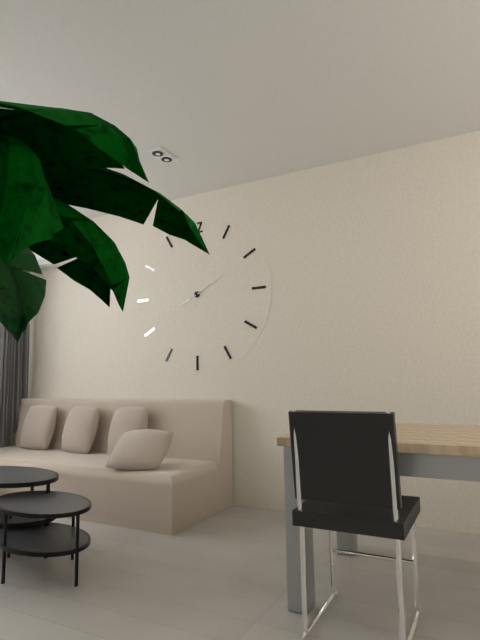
8:10
